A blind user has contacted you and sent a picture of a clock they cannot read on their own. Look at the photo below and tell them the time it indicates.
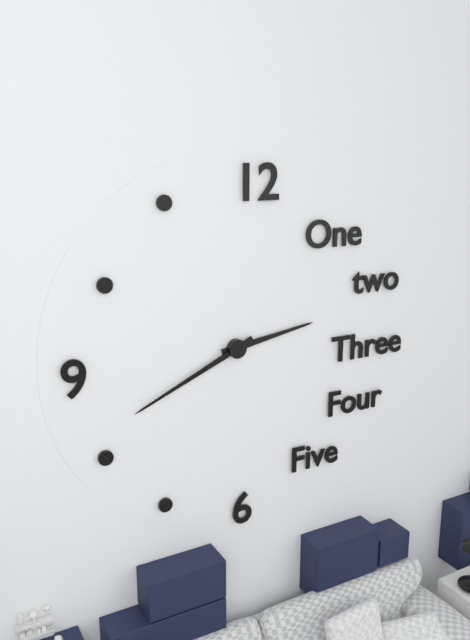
2:41
